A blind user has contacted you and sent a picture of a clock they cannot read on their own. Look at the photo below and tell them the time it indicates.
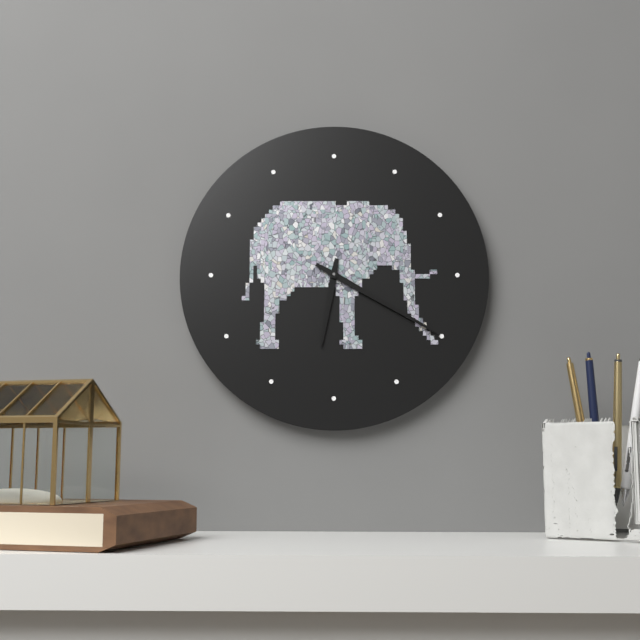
6:20
